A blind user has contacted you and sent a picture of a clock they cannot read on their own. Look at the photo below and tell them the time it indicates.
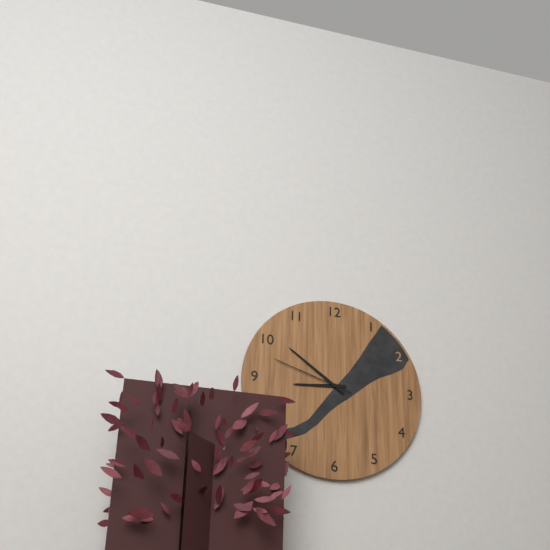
8:51:48
